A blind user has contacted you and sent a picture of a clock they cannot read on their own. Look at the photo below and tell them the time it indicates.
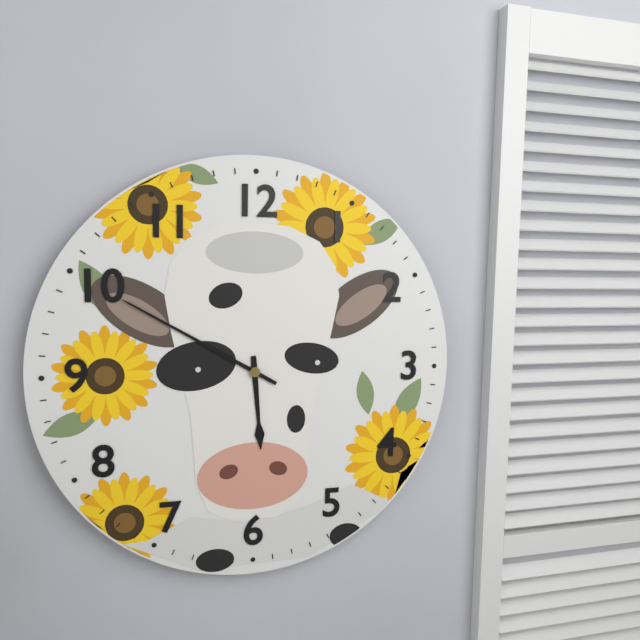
5:50
